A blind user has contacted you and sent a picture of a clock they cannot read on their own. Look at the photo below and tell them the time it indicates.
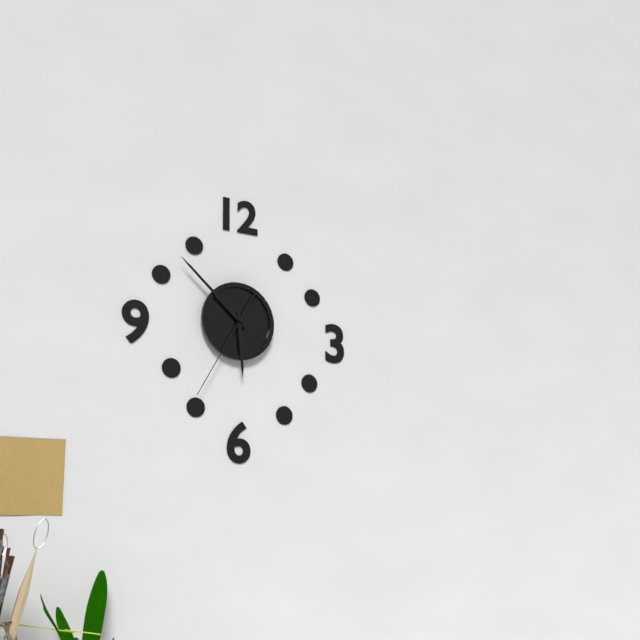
5:52:35
